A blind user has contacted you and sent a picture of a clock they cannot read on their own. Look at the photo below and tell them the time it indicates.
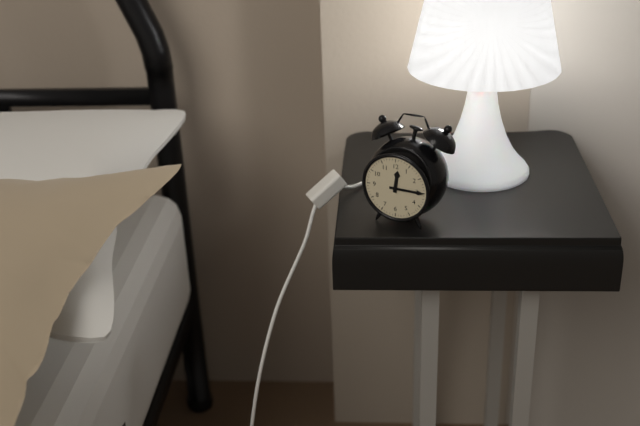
12:15
